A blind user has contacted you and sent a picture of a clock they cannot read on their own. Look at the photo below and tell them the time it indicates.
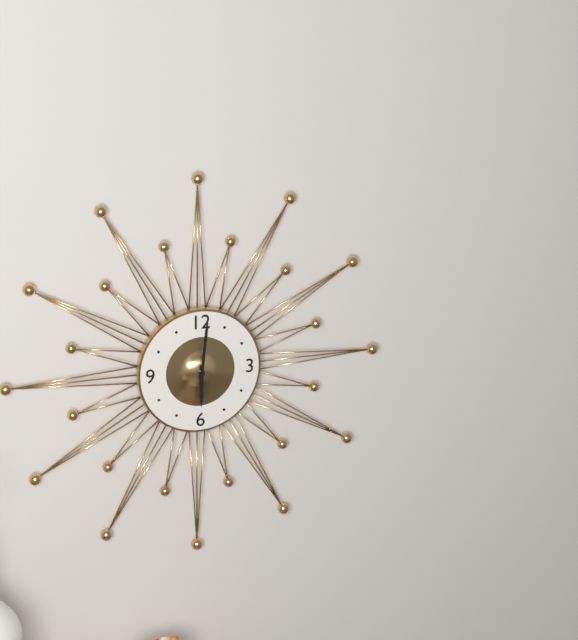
6:01
